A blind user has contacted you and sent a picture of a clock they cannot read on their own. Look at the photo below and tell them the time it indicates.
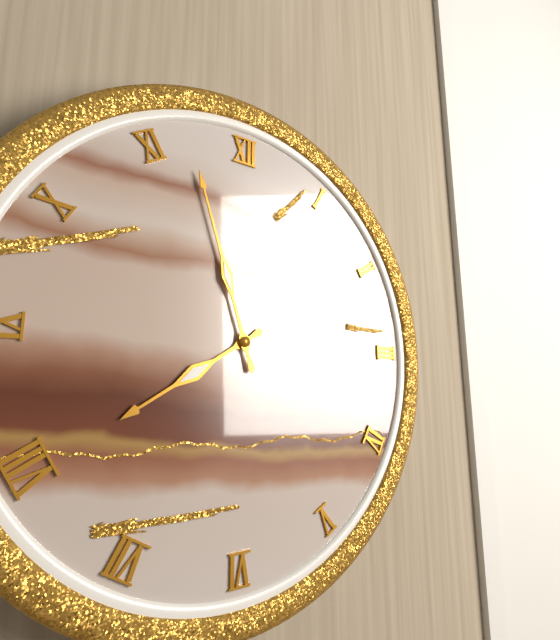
7:57
